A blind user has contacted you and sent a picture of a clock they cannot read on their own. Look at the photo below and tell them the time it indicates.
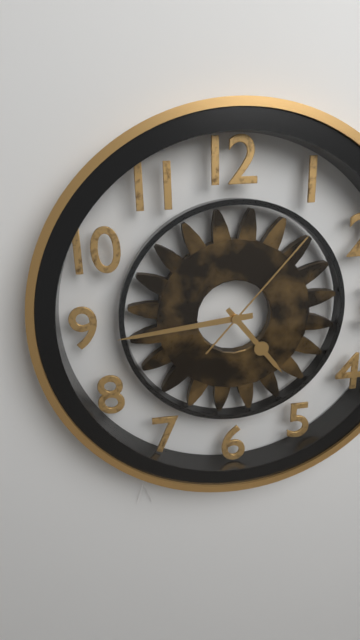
4:44:07
